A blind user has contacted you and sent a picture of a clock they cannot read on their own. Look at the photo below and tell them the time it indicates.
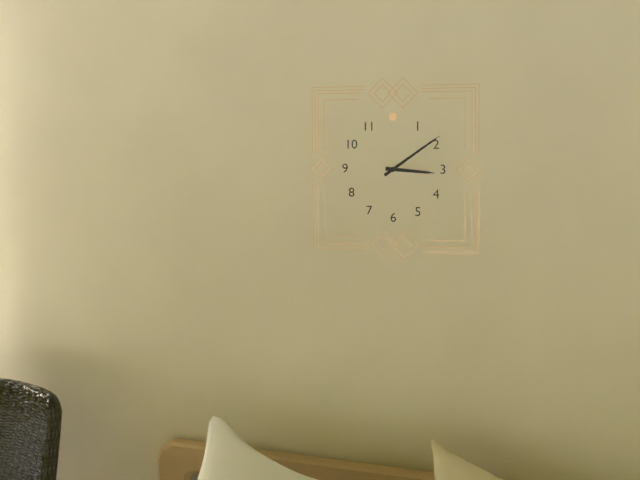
3:09
